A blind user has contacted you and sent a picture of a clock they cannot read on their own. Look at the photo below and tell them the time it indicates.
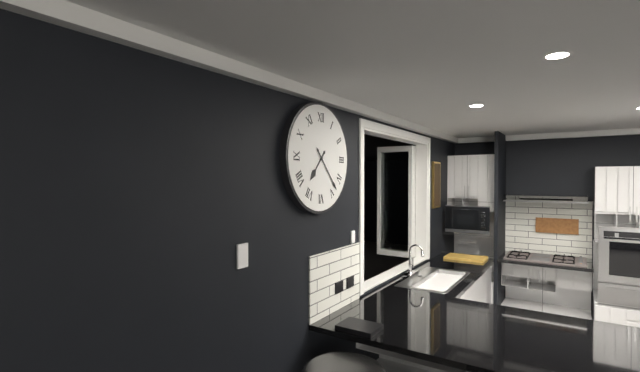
7:23
